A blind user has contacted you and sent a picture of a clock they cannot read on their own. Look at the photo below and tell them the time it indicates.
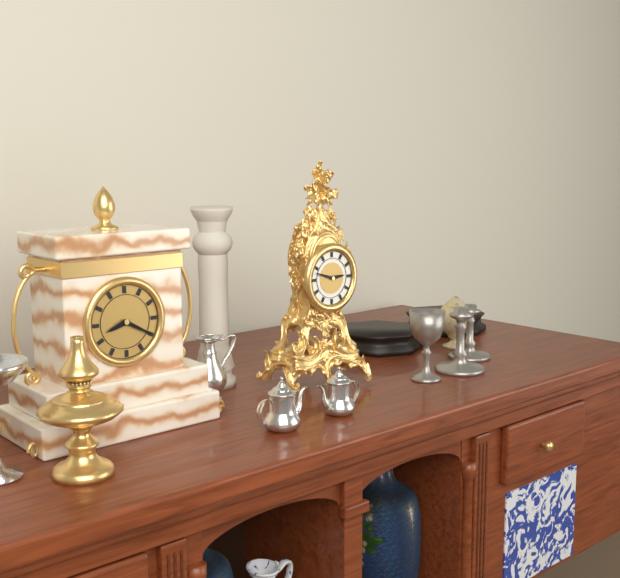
2:48
